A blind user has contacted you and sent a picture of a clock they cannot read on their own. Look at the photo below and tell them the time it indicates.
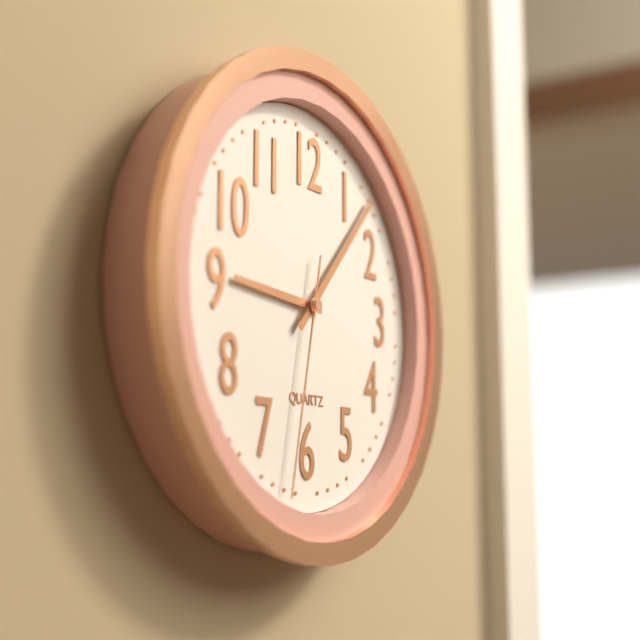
9:07:32
